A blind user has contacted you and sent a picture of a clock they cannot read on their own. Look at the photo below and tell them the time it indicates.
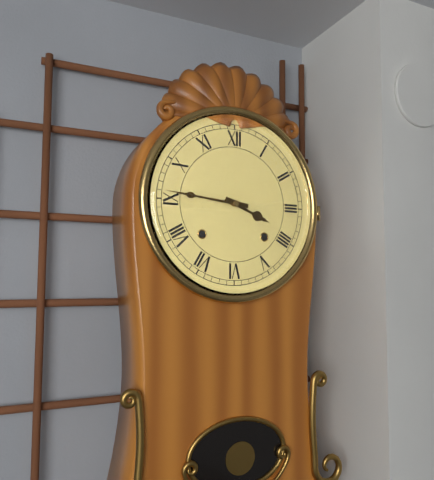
3:46
